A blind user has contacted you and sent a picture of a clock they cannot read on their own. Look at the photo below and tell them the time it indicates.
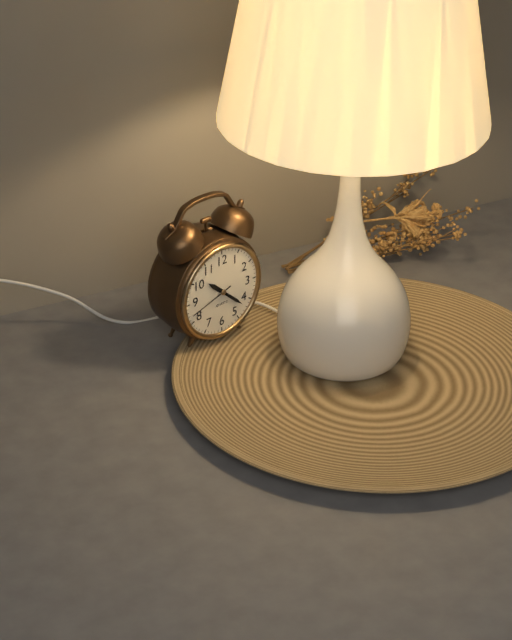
10:22
